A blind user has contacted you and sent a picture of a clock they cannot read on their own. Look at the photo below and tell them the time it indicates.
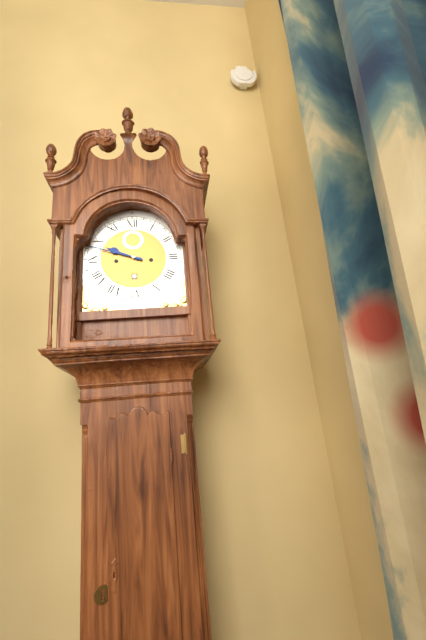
9:48
